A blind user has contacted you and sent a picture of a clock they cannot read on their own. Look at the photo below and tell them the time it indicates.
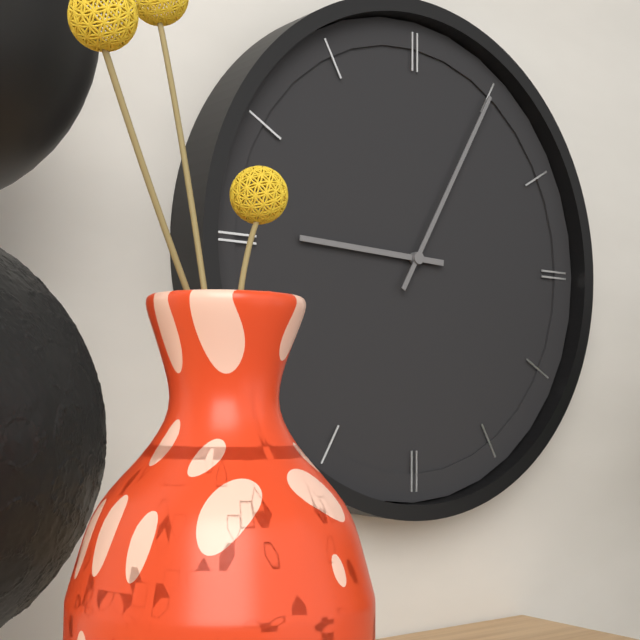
9:05
